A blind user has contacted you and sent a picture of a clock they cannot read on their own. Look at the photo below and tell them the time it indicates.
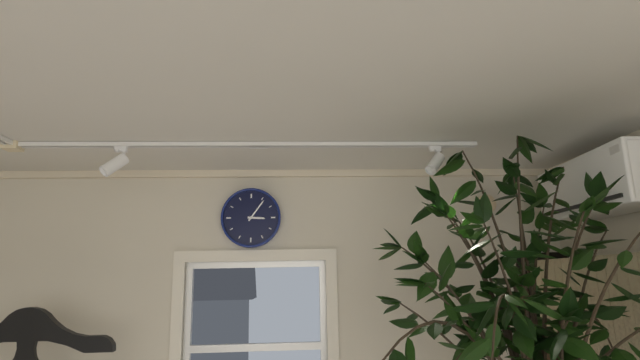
3:06
